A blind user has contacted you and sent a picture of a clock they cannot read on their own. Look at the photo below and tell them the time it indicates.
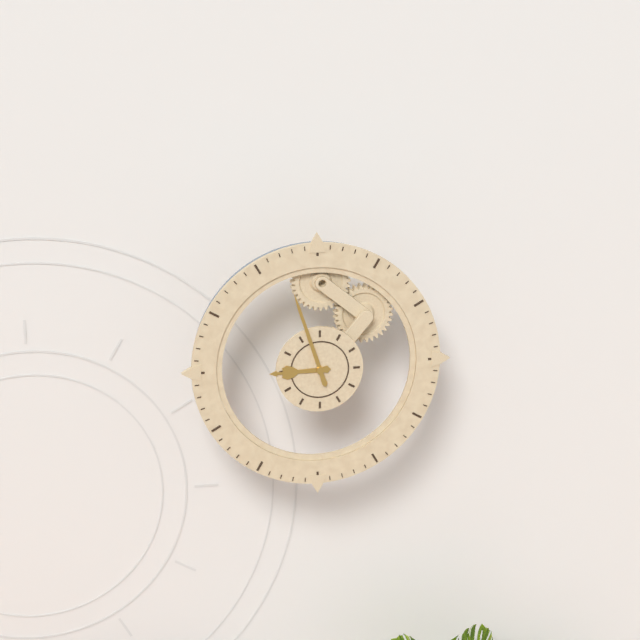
8:57
